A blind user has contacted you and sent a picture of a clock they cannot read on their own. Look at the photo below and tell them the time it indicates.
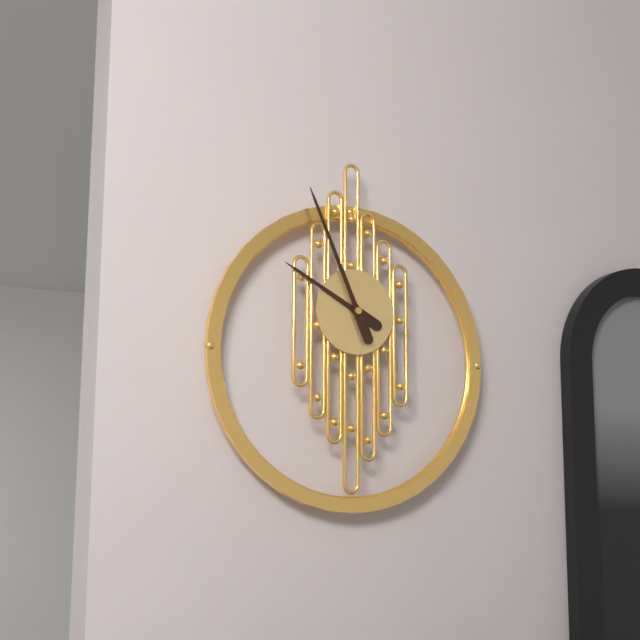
9:56
